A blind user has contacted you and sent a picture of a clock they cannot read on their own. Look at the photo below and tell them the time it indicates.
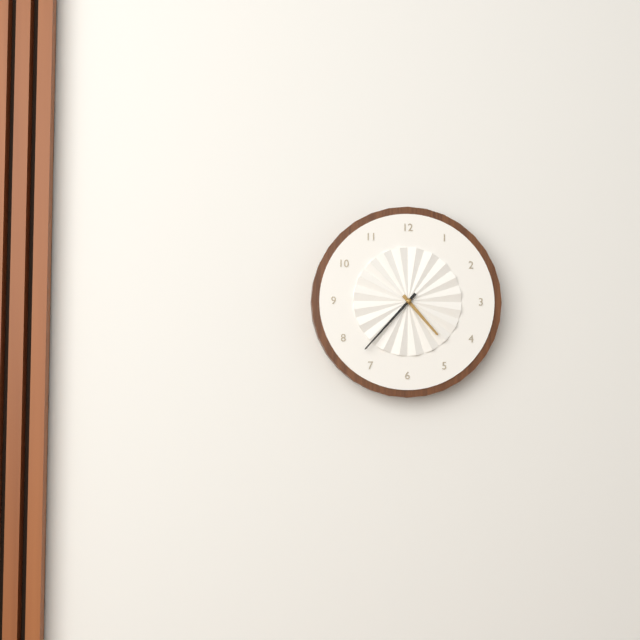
4:37
